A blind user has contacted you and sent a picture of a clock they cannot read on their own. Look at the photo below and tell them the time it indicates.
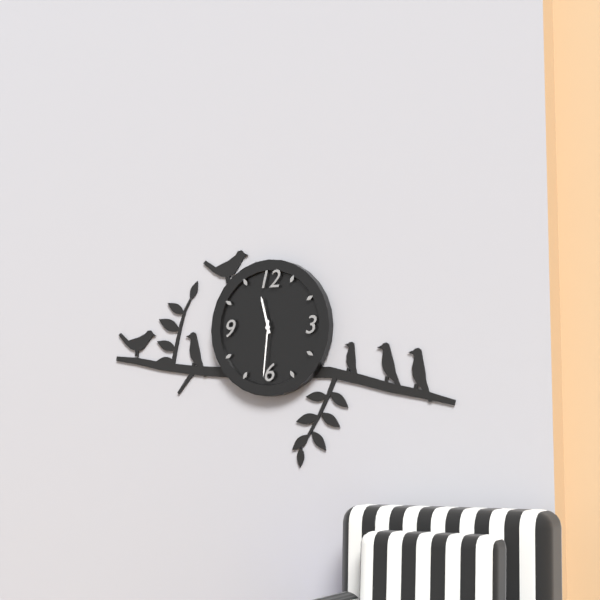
11:31
